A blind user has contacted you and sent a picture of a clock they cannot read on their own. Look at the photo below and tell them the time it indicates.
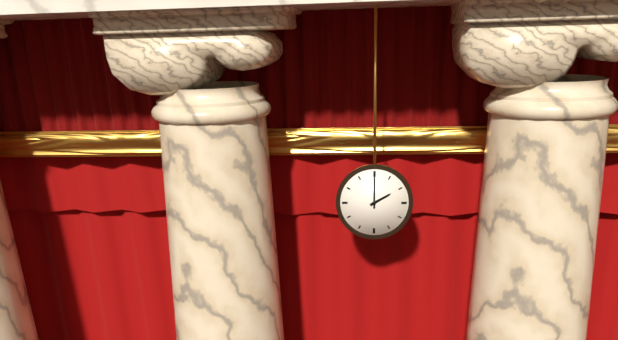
2:00
